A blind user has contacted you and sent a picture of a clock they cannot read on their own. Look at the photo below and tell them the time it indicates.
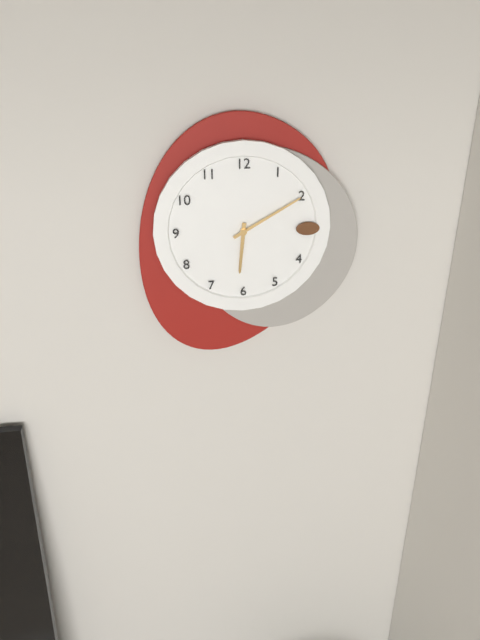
6:10
